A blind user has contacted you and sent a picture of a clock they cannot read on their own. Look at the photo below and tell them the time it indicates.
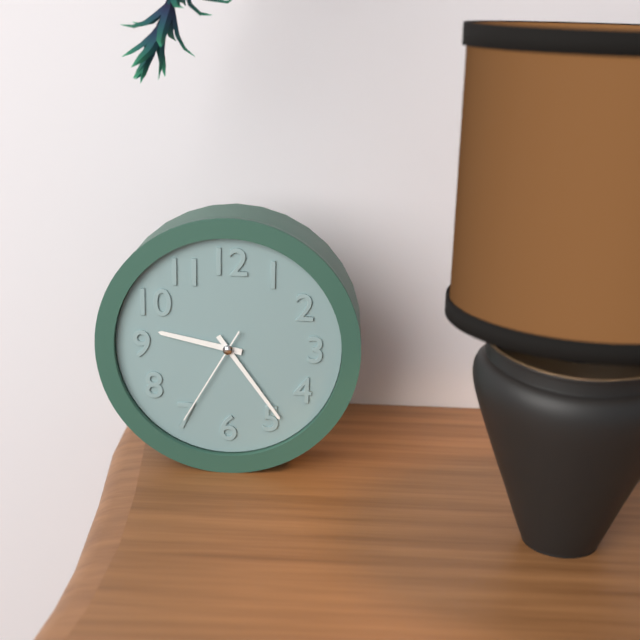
9:24:35
